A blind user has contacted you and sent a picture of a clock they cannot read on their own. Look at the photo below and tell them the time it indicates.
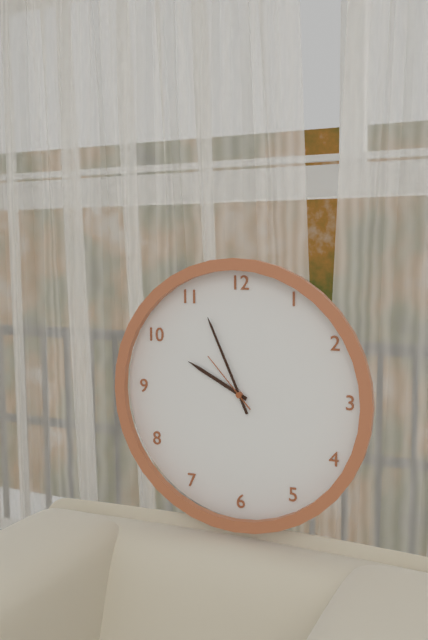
9:56:53
